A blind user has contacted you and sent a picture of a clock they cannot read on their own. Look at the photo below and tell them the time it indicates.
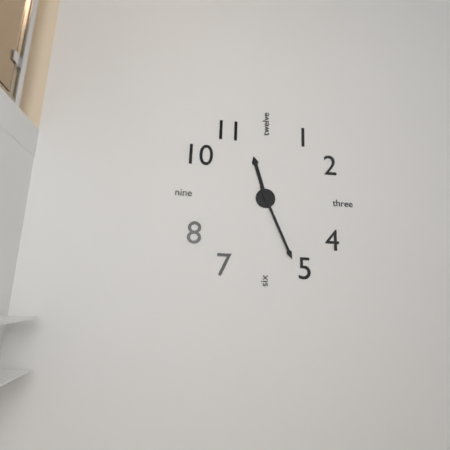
11:26
